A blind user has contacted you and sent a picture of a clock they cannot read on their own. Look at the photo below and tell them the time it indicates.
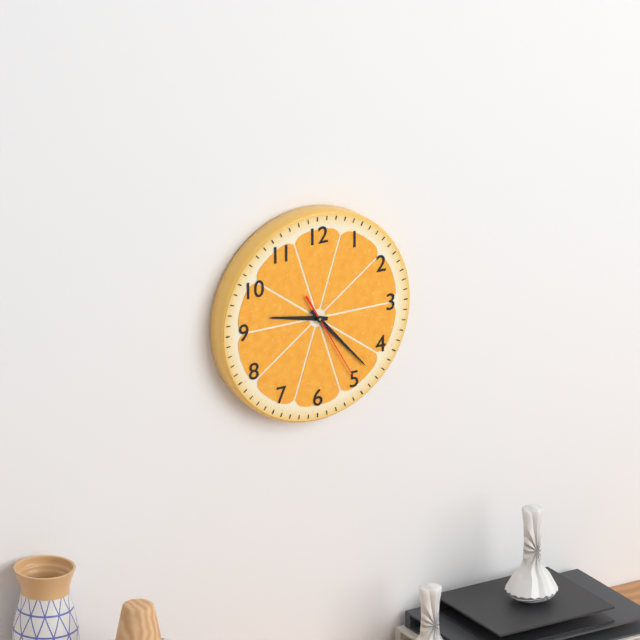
9:23:25
